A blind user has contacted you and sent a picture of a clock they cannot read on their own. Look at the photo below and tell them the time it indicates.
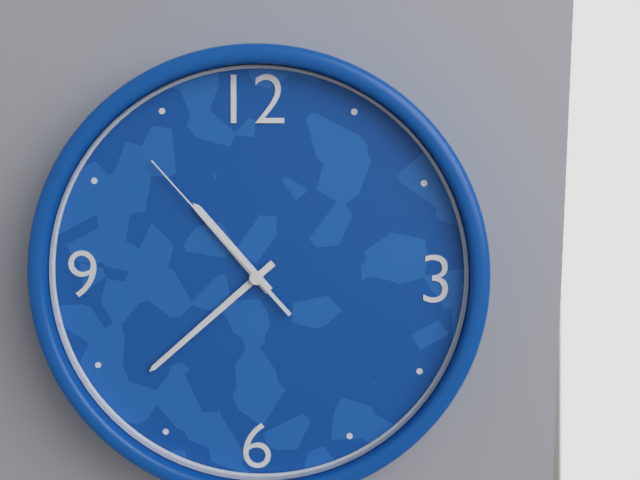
10:38:53
